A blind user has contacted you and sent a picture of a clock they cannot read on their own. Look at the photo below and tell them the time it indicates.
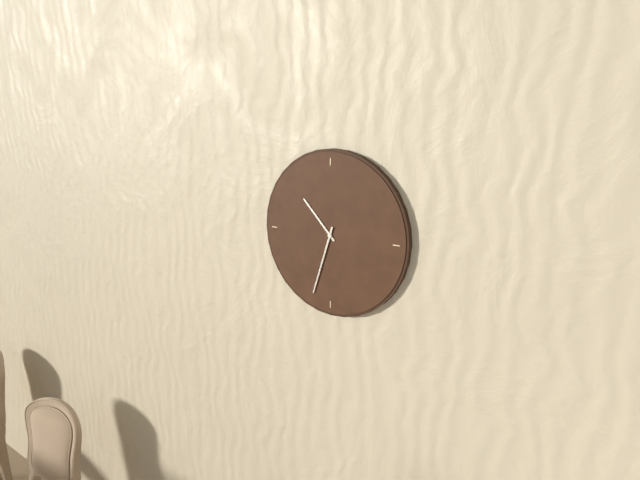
10:33
